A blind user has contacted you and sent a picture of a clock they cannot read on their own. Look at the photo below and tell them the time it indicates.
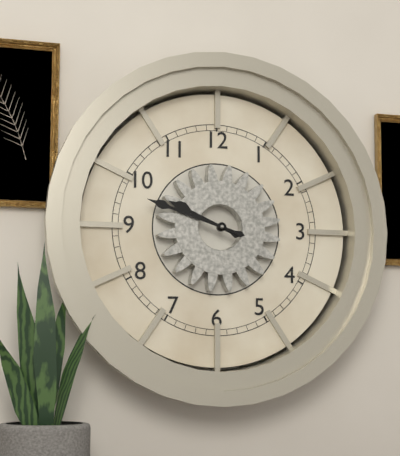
9:48
